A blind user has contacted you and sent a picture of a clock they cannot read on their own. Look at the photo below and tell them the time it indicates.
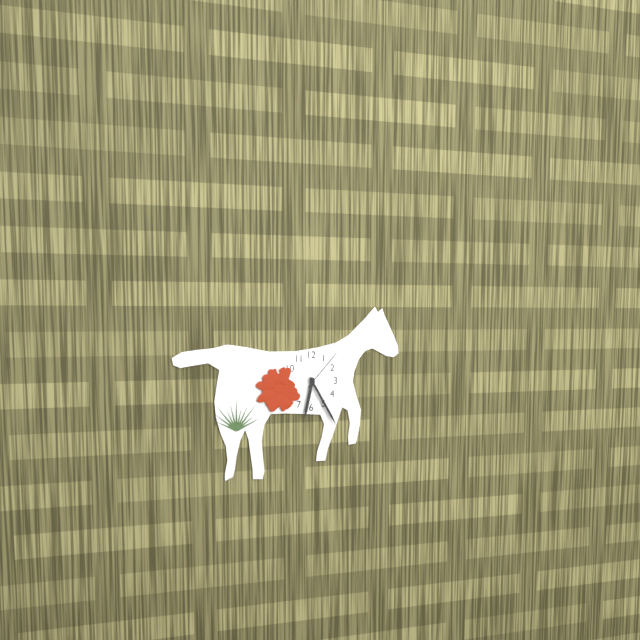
6:25:07
